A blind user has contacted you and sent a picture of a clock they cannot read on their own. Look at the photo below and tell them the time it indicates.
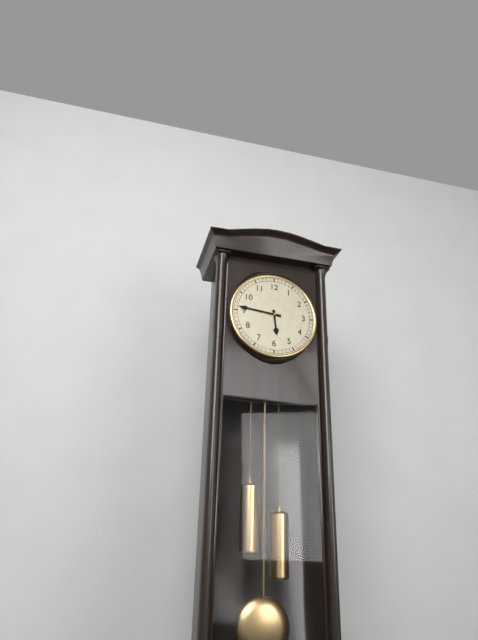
5:46
